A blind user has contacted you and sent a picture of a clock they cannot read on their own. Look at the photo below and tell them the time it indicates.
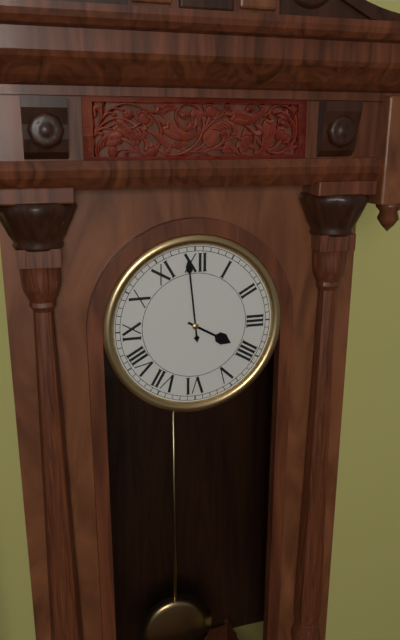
3:59
